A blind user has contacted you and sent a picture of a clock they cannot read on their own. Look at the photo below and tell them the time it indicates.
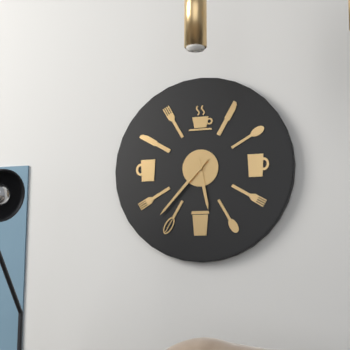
5:37
